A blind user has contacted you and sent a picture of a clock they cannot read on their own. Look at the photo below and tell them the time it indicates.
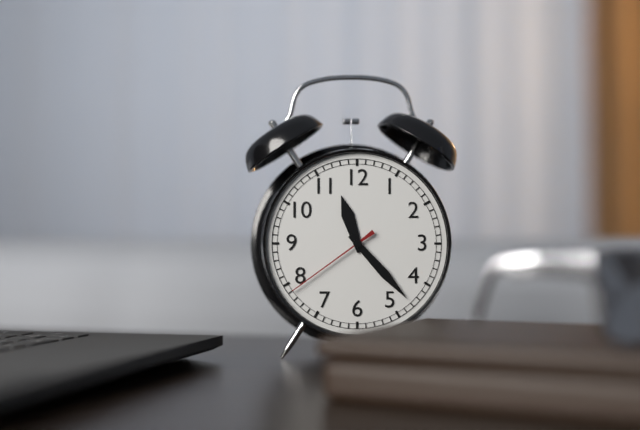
11:23:39
